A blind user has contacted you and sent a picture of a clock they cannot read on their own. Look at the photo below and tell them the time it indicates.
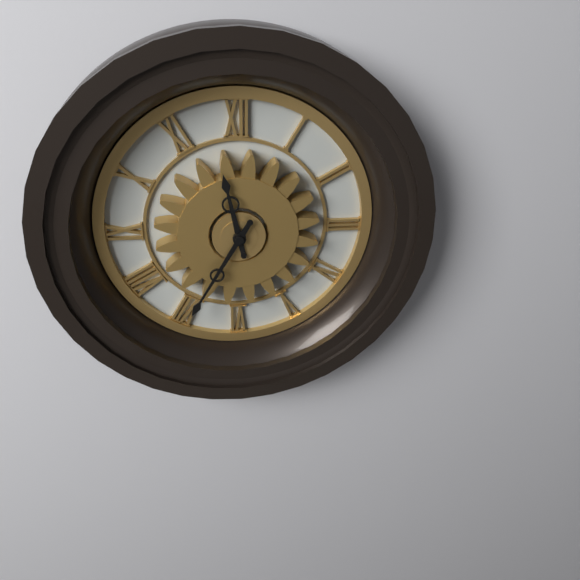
11:35
